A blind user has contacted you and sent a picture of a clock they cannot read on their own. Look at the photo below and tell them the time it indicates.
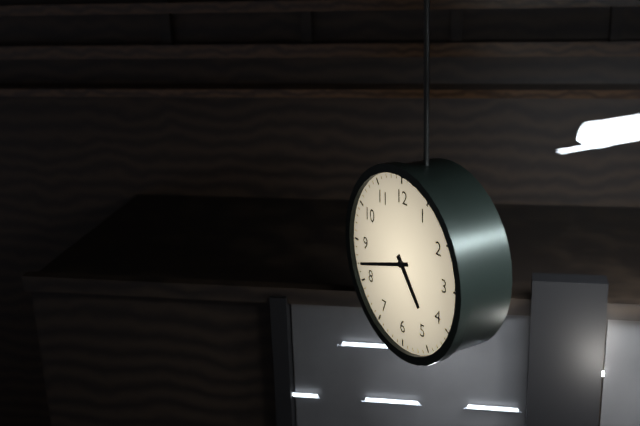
4:42
